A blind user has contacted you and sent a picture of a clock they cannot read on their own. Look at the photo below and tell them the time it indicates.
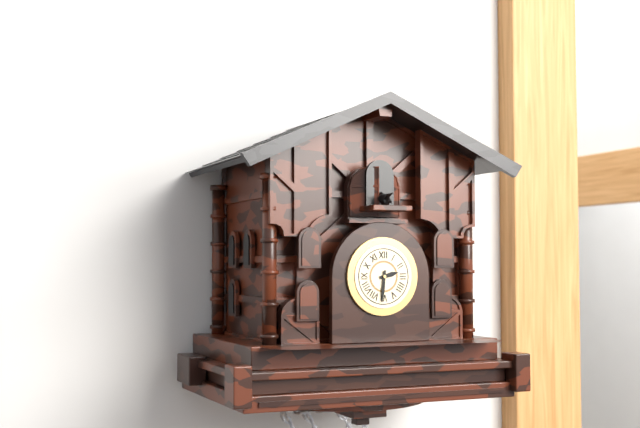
2:31
